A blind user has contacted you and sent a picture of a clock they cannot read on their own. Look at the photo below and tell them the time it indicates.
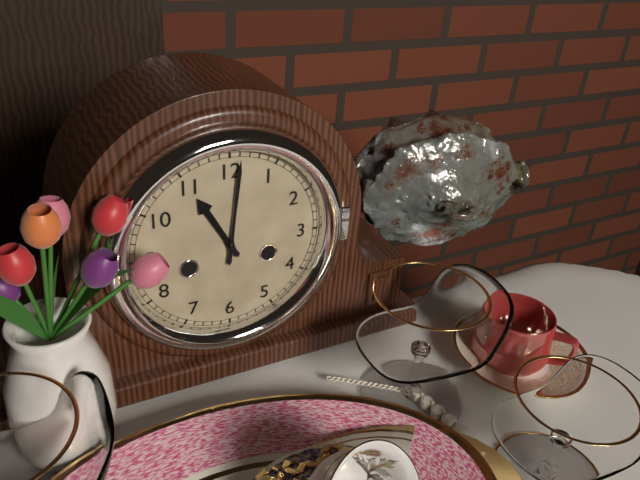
11:01
